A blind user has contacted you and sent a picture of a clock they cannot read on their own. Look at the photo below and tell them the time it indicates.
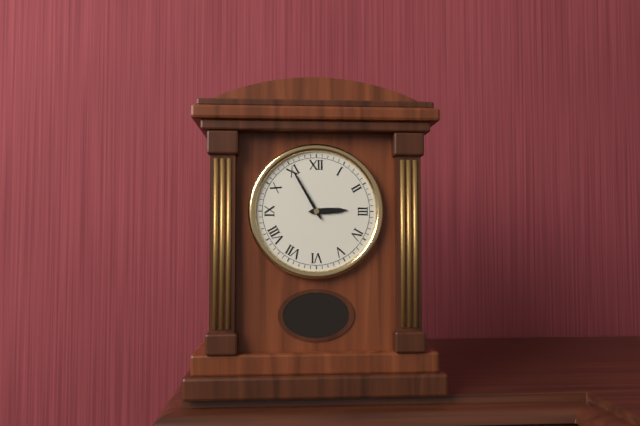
2:55
